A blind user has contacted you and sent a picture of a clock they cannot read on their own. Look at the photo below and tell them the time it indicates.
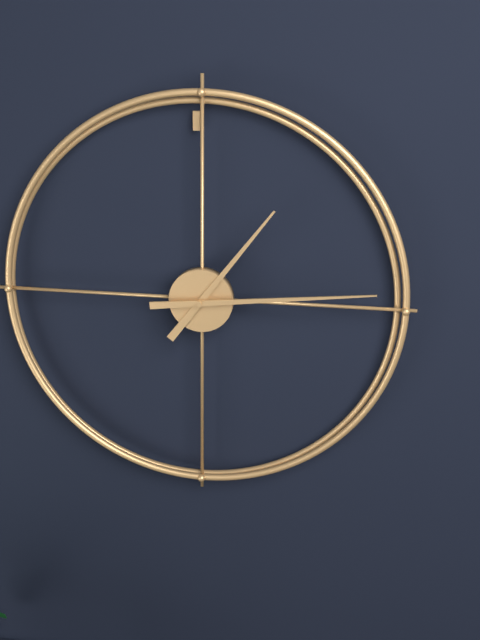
1:14
